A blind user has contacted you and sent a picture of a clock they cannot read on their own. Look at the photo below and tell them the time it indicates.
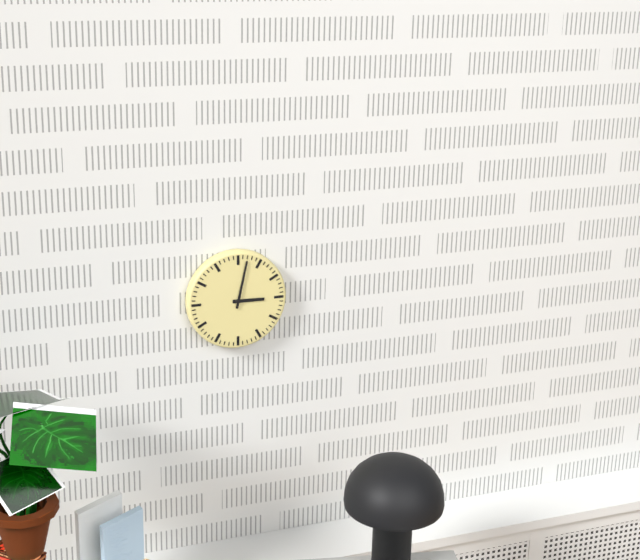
3:02
